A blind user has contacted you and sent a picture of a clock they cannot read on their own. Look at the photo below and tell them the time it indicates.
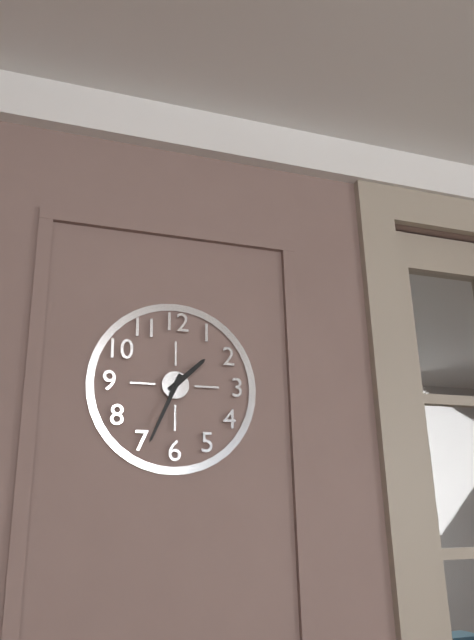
1:34
